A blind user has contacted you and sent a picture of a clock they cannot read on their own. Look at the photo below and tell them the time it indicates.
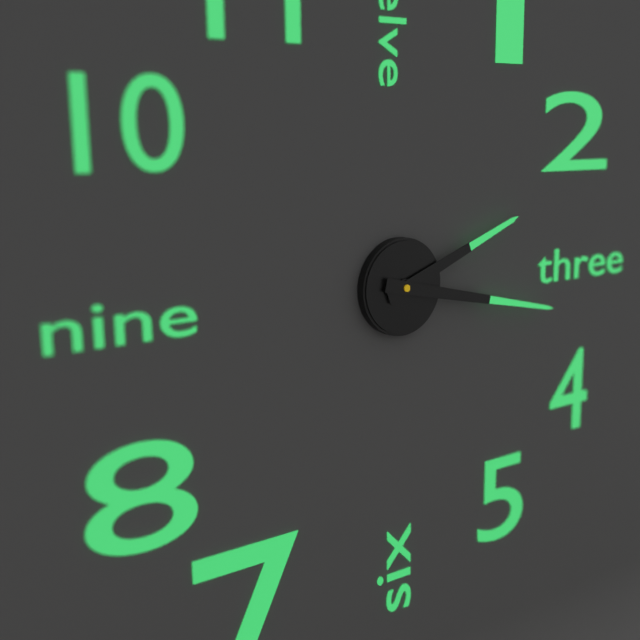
2:17
